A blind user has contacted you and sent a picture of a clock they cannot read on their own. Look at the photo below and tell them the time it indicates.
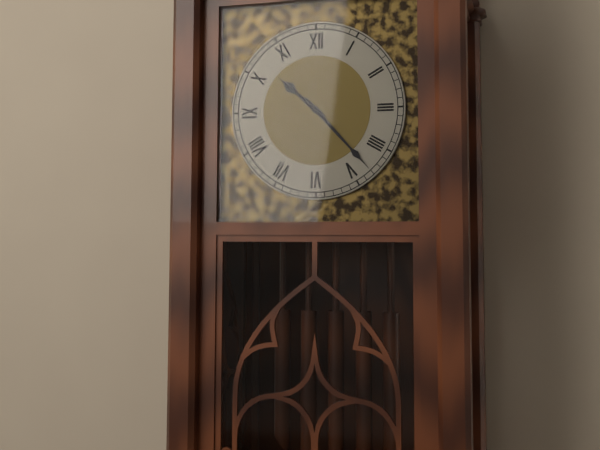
10:23
